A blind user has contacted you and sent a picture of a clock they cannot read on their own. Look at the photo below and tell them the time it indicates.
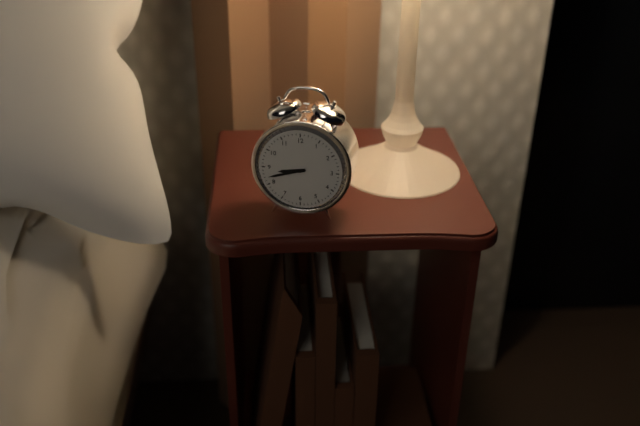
8:42
